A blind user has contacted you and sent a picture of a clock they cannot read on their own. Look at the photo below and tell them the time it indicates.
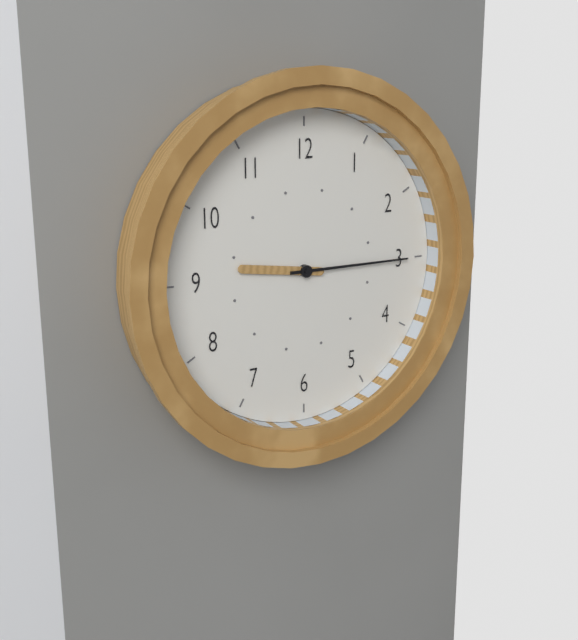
9:15
